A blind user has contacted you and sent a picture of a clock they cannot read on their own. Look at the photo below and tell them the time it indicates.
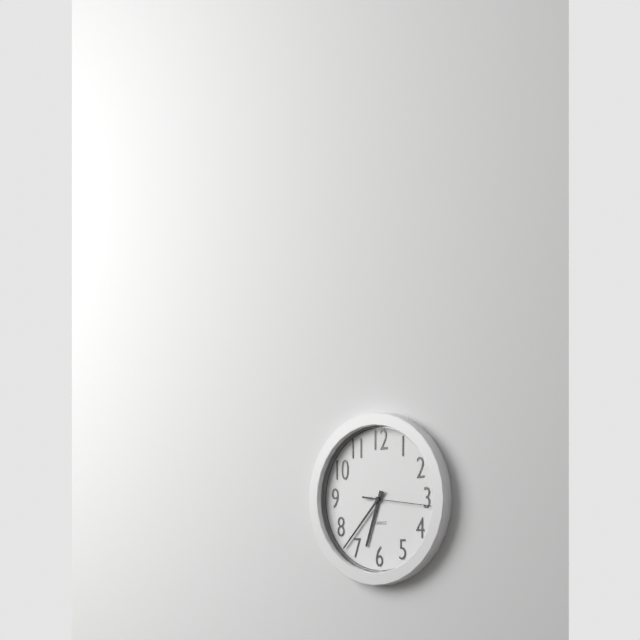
6:37:16
